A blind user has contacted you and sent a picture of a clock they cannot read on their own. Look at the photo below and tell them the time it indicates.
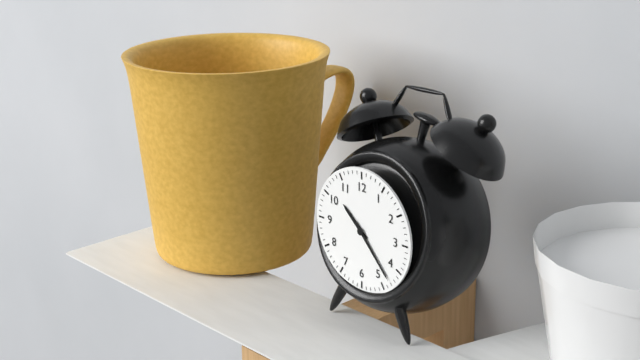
10:23
